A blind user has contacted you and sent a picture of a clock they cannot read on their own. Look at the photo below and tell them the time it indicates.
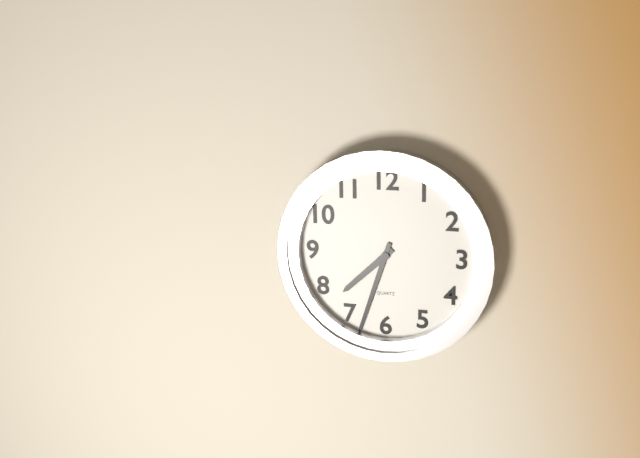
7:33
